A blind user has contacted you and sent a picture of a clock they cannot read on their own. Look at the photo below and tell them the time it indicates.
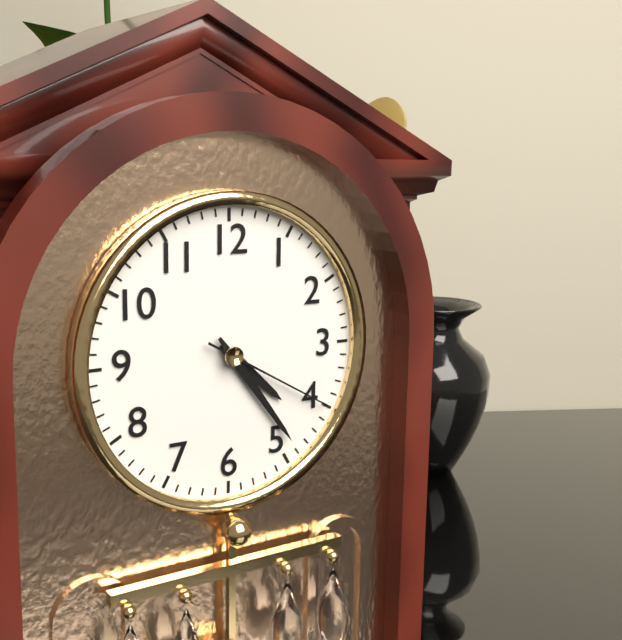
4:24:20
